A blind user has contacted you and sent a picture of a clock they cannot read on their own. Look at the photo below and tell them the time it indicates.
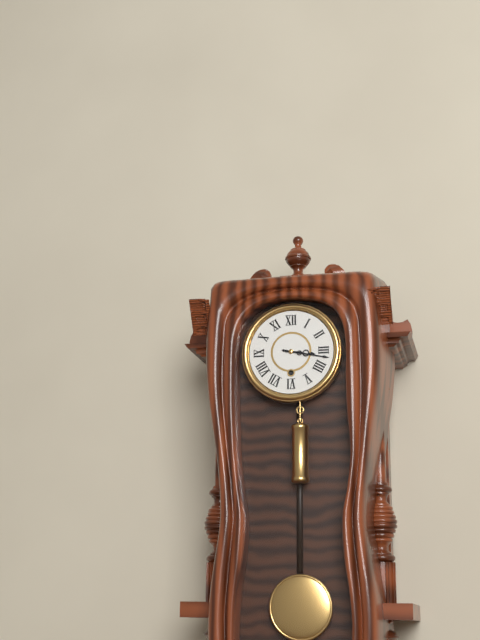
3:17
